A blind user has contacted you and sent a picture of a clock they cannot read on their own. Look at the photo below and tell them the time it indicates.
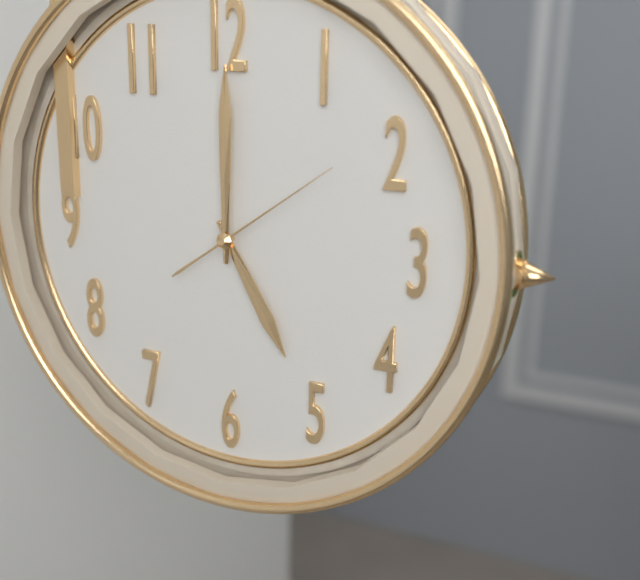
5:00:09
